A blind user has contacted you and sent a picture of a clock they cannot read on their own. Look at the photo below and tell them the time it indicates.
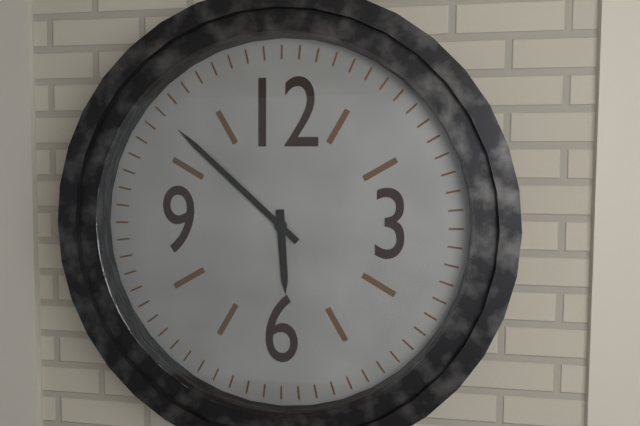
5:52
